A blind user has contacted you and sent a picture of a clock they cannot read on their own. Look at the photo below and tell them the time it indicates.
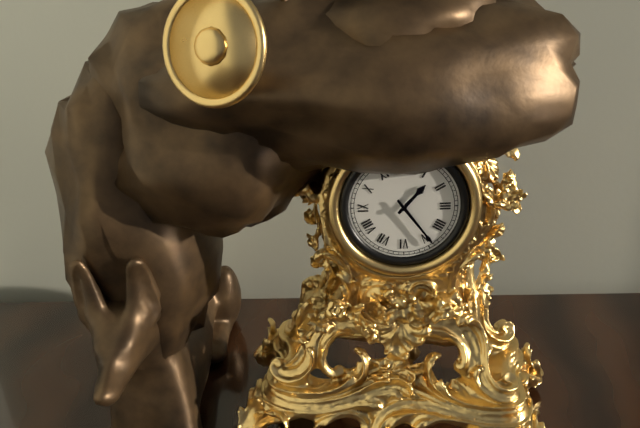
1:24
